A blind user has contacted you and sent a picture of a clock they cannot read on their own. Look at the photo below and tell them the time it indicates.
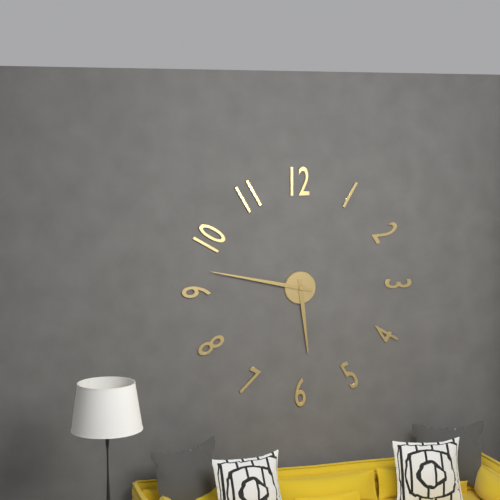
5:47
